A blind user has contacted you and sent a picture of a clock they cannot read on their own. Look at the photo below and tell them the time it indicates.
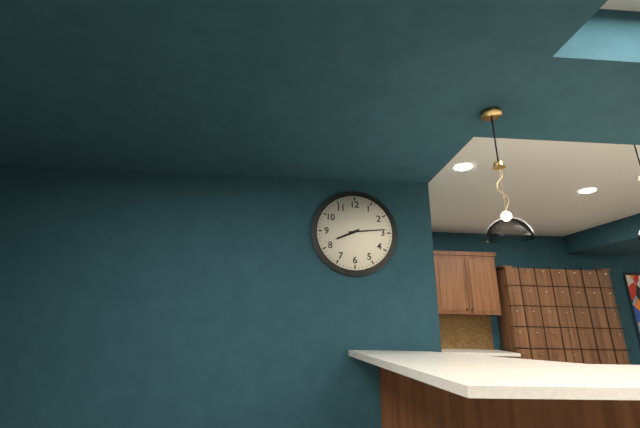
8:14
